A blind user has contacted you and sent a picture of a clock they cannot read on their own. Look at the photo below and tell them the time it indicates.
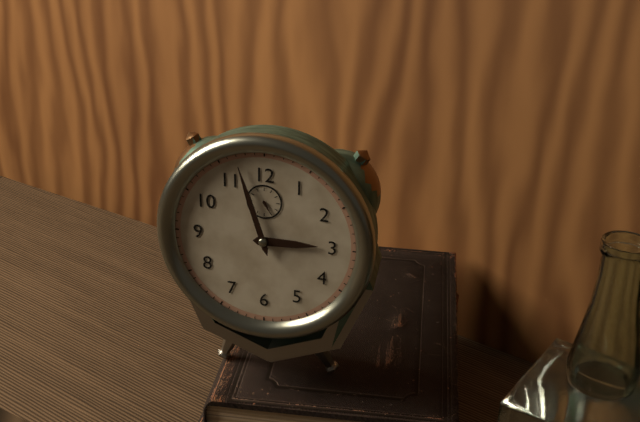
2:57
